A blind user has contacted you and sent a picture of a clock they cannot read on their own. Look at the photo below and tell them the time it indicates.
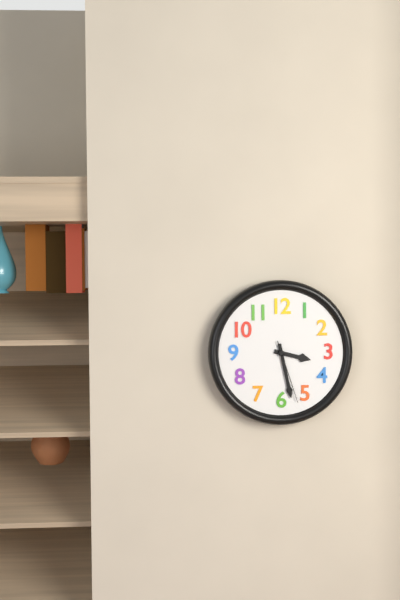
3:28:27
